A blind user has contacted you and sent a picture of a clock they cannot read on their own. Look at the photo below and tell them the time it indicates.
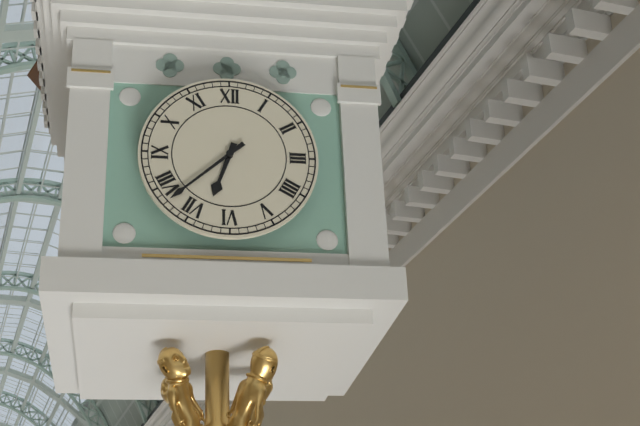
6:38
